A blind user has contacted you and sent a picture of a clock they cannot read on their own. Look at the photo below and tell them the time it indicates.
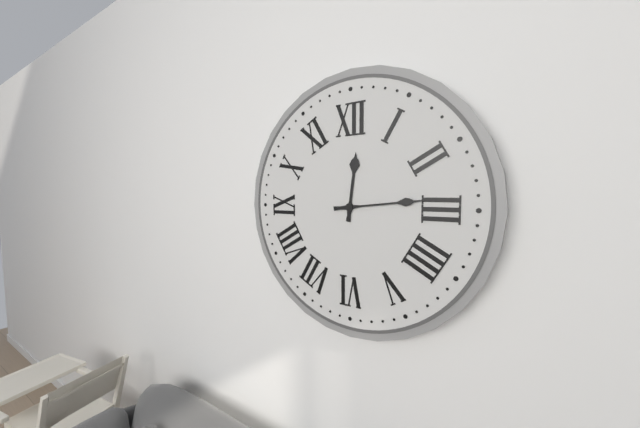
12:14
